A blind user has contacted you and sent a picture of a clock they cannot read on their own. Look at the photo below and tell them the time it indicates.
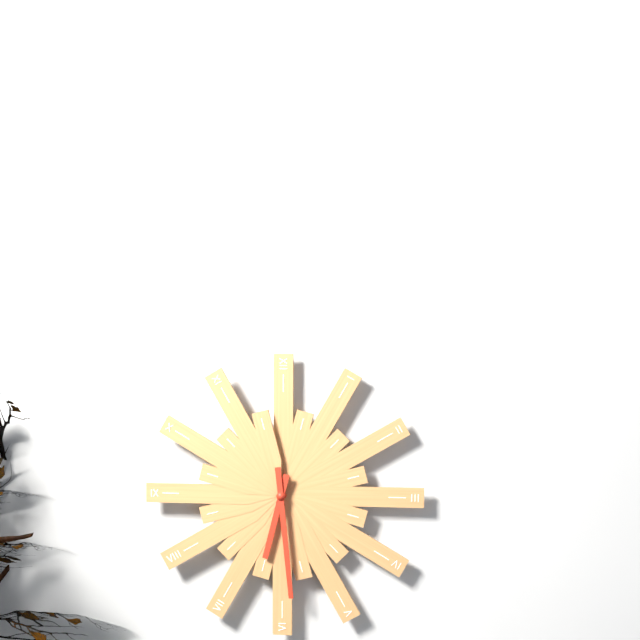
6:29
